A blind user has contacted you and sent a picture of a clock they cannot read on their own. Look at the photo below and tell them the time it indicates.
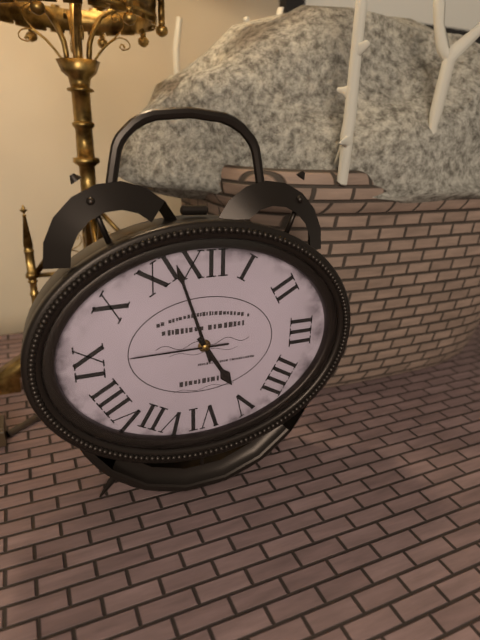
4:57:45
